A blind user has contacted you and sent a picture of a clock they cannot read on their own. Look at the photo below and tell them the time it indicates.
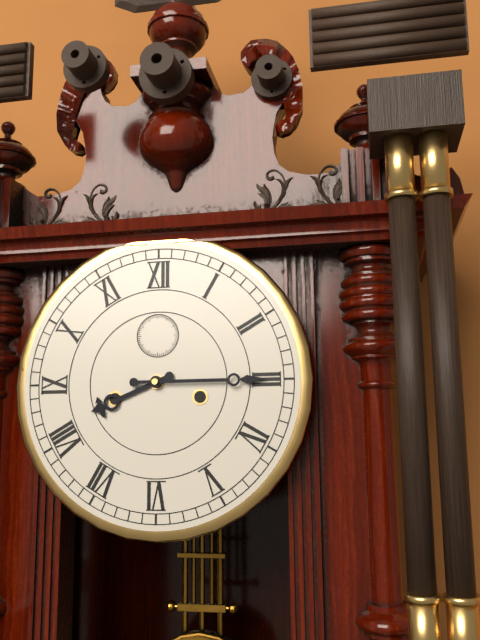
8:15
